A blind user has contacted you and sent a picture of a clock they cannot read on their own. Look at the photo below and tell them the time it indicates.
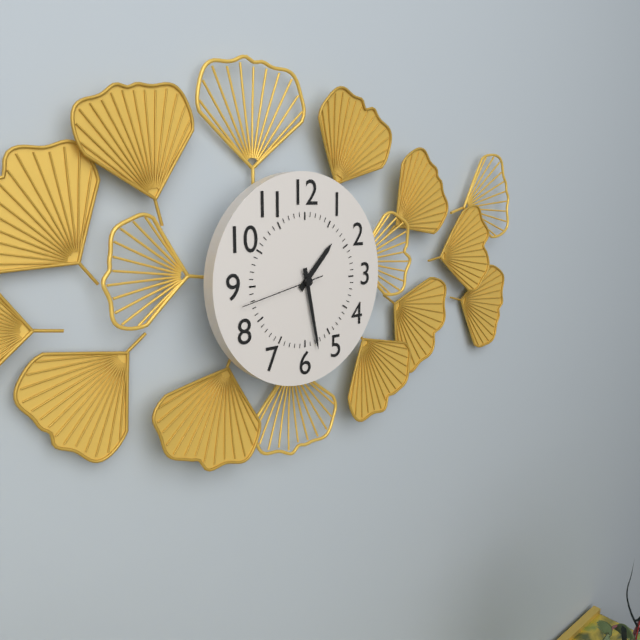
1:28:43
